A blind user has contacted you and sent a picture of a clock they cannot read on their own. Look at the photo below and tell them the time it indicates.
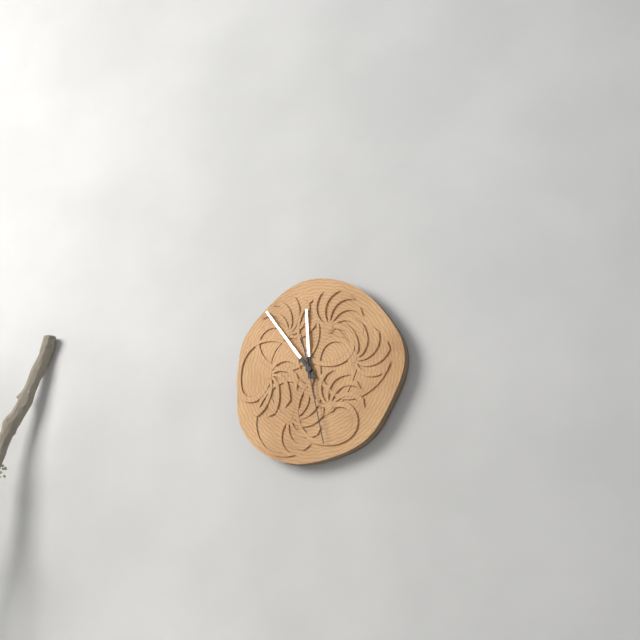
11:54:28
